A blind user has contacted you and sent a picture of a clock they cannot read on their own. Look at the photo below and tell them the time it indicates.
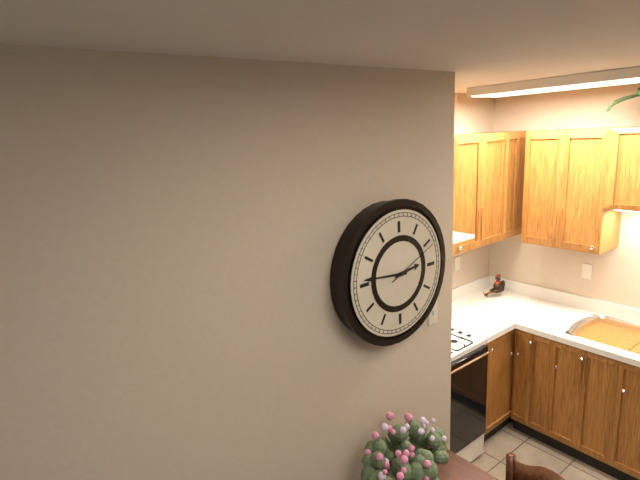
2:46:11
